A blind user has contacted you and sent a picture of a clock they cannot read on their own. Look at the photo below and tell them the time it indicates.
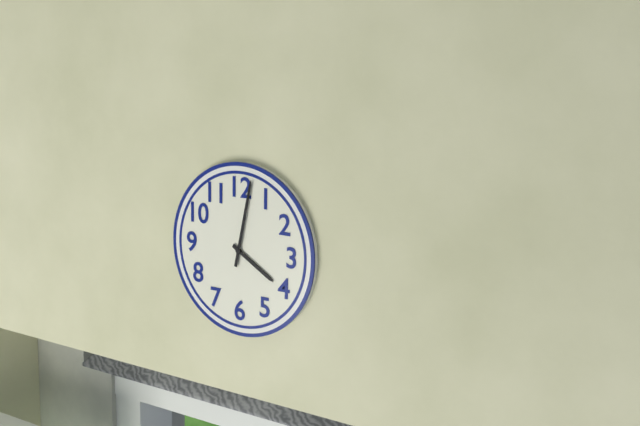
4:02
